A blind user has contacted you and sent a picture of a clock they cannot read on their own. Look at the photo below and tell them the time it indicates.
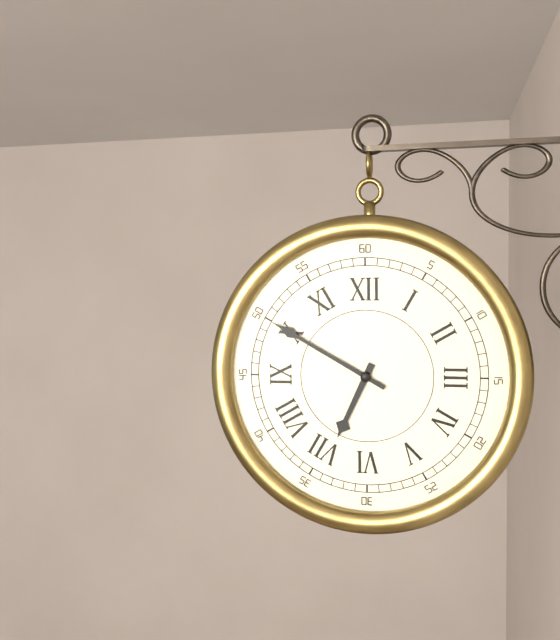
6:50
